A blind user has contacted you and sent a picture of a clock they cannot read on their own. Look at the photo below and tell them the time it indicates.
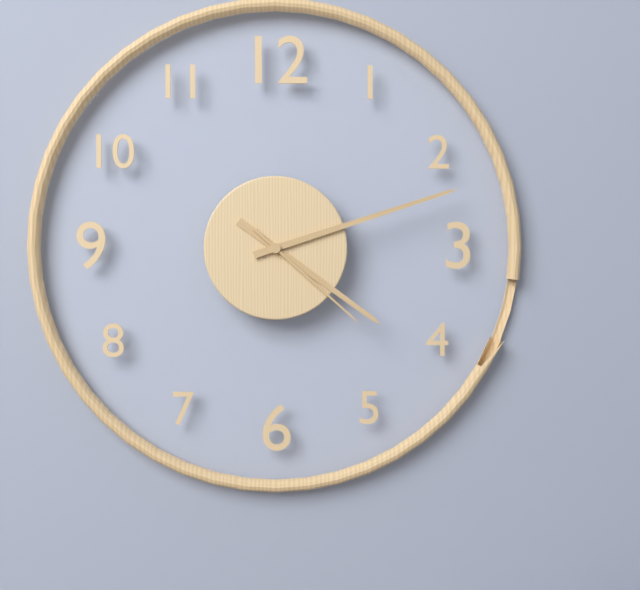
4:12:22
